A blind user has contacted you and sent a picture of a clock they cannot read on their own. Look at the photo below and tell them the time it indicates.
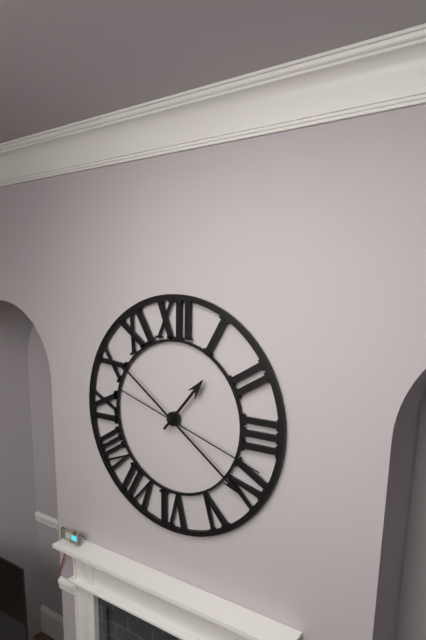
1:21:18
